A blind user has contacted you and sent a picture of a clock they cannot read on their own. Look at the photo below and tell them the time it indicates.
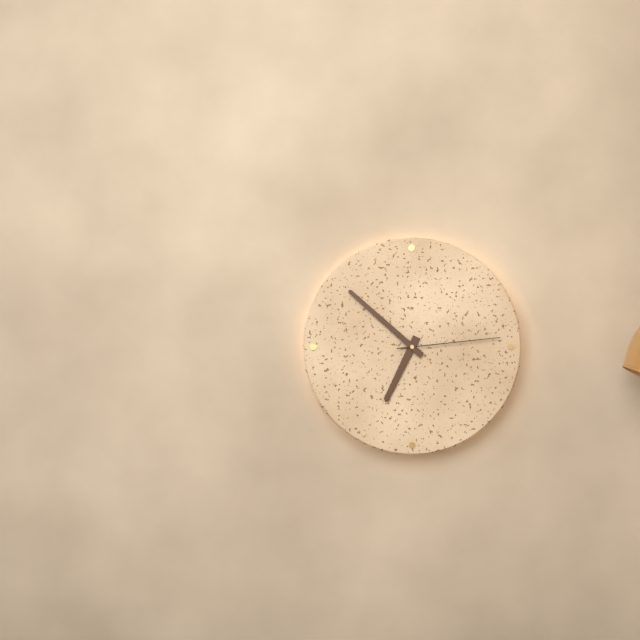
6:52:14
